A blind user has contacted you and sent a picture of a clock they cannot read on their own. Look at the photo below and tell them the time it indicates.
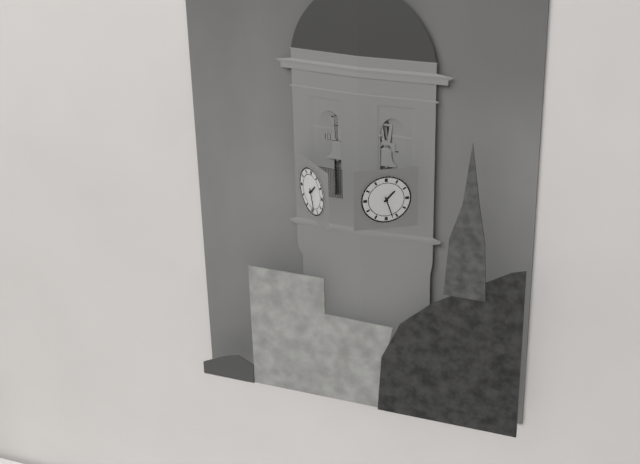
1:27
